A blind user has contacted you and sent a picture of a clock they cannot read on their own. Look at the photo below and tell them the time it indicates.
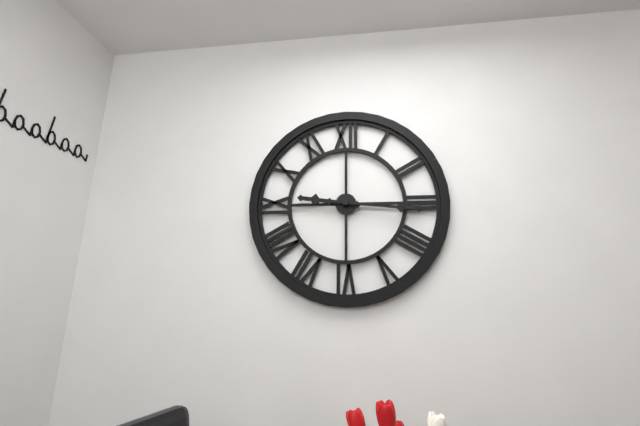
9:16
